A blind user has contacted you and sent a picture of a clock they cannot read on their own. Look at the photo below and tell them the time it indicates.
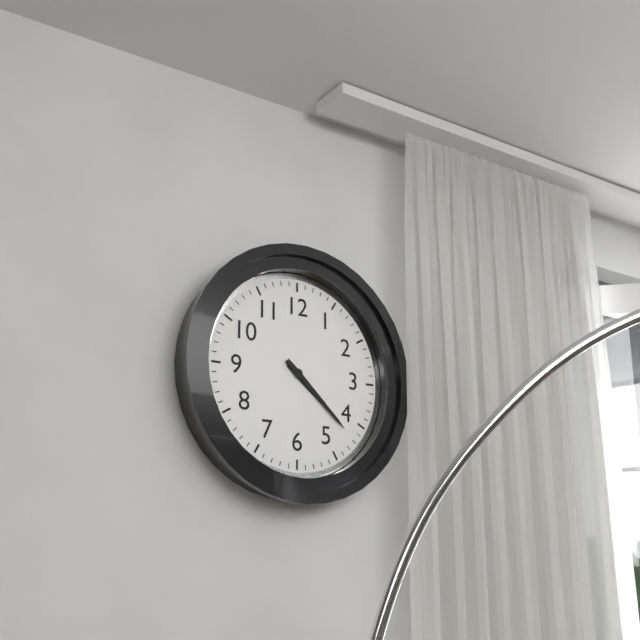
4:22
